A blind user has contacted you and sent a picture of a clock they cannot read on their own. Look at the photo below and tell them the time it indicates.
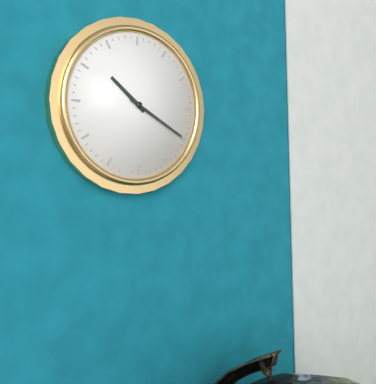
10:20
